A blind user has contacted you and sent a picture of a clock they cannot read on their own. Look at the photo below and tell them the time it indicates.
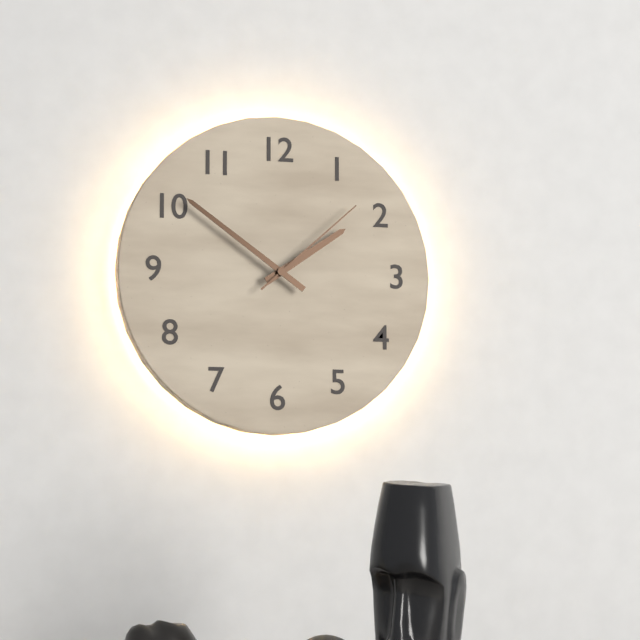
1:51:08
